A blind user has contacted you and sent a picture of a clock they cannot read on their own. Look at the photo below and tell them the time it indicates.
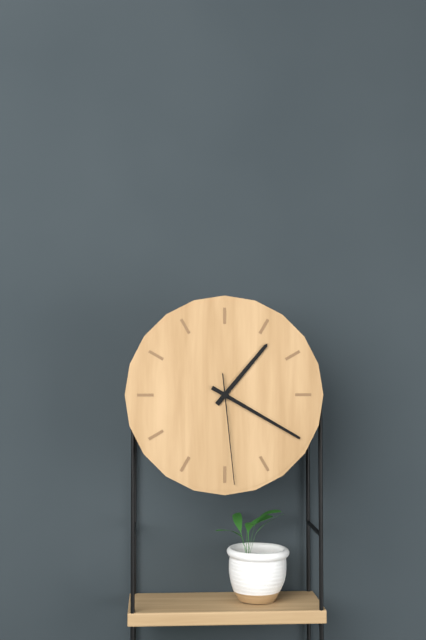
1:20:29
